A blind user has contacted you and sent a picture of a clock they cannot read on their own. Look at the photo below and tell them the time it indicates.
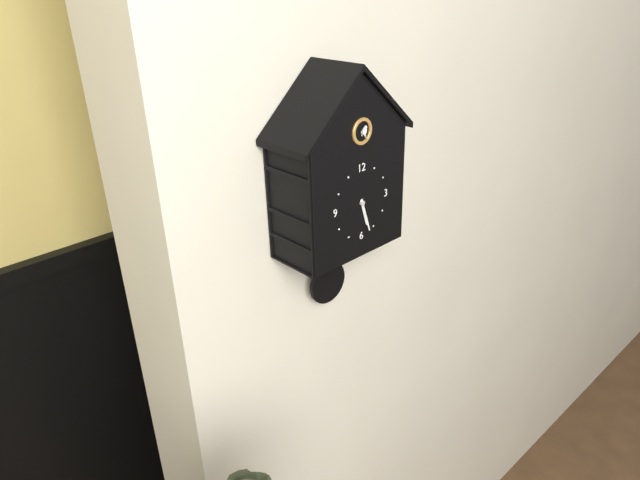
5:27
